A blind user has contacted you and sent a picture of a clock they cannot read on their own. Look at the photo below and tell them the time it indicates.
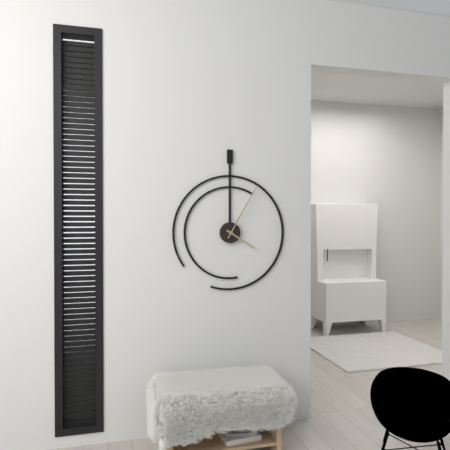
4:05
